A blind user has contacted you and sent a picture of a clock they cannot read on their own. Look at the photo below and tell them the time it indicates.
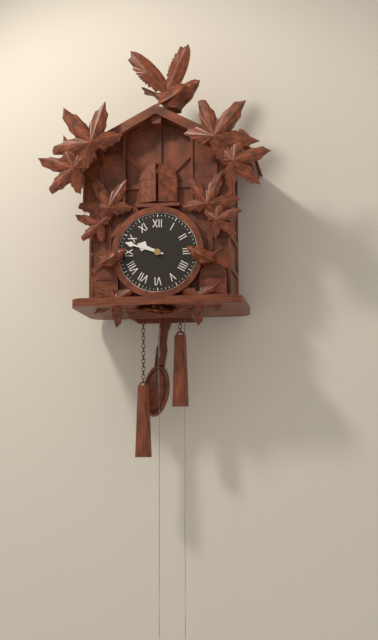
9:48
